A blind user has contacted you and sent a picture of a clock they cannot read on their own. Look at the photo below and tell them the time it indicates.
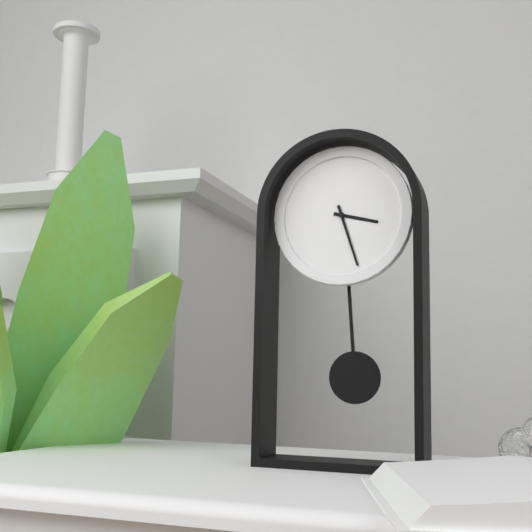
3:27
